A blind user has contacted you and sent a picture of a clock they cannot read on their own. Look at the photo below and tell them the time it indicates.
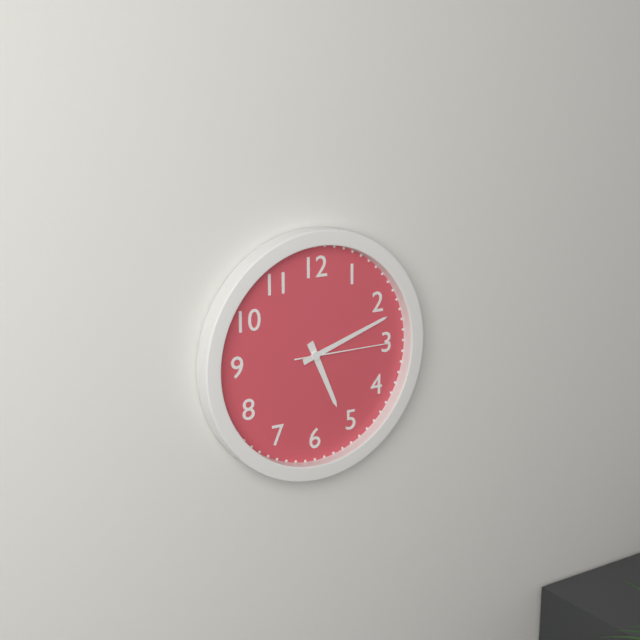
5:12:15
